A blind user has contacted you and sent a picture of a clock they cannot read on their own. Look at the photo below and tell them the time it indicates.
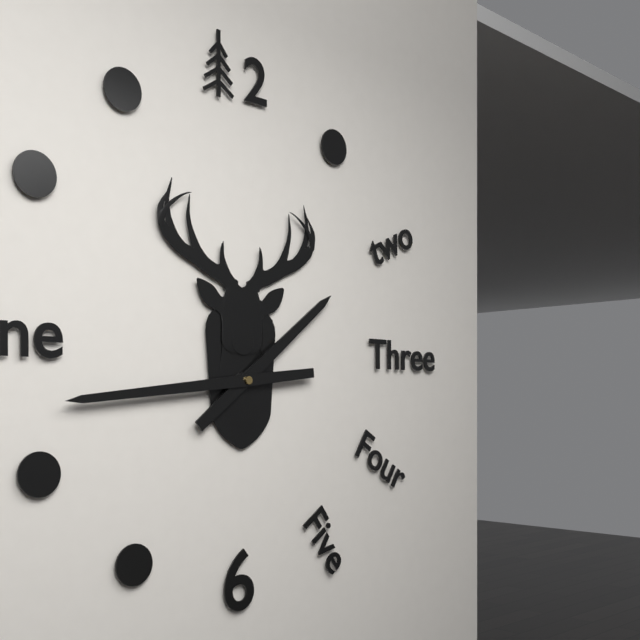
1:44
